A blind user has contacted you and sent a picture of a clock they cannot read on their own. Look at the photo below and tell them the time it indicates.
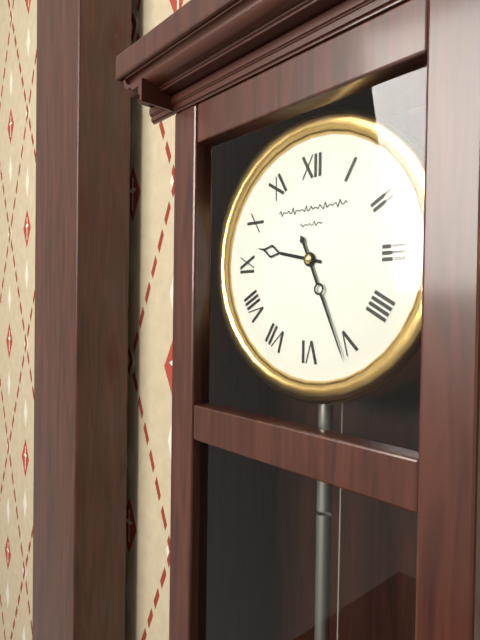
9:26
